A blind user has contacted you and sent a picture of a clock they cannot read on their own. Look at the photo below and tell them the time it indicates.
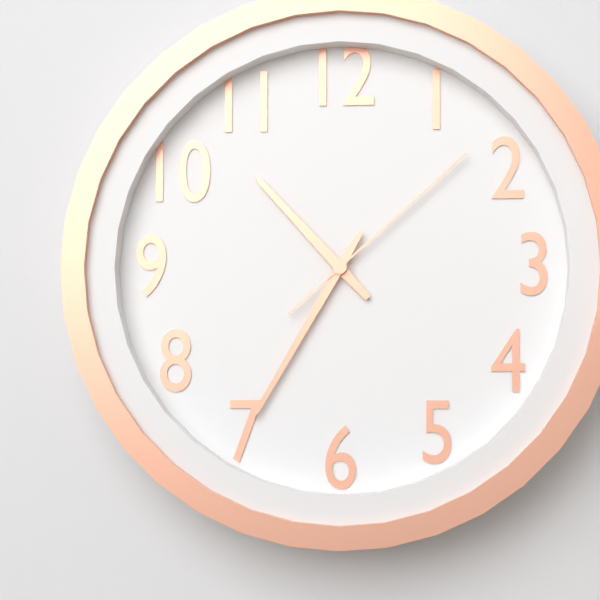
10:35:08
